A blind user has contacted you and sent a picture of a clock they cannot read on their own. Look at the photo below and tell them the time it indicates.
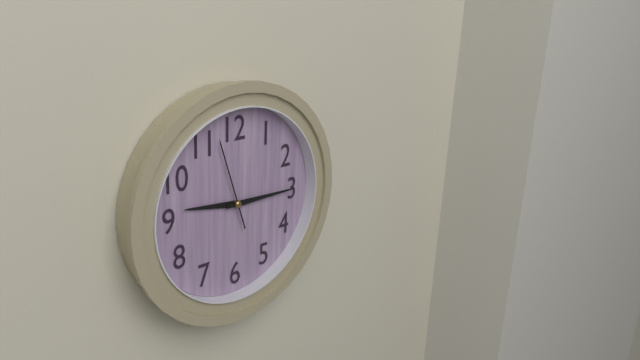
9:15:57
